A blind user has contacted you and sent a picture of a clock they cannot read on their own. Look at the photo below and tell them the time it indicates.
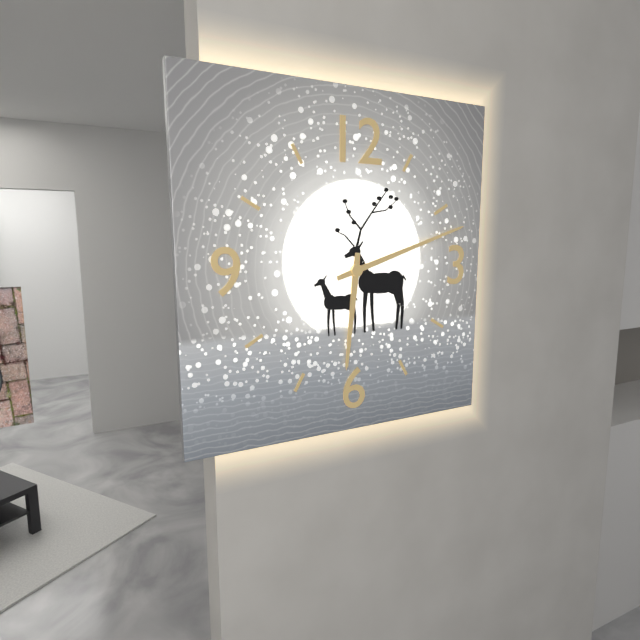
6:12
